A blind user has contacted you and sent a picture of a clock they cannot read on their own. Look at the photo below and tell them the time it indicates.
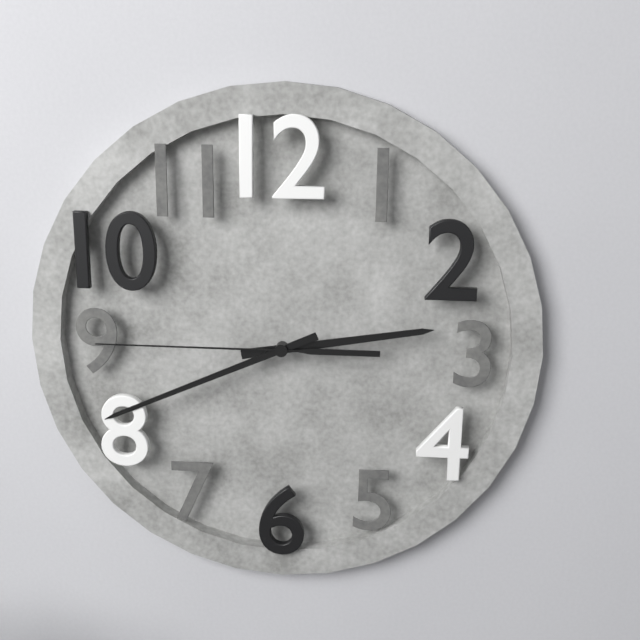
2:41:45
